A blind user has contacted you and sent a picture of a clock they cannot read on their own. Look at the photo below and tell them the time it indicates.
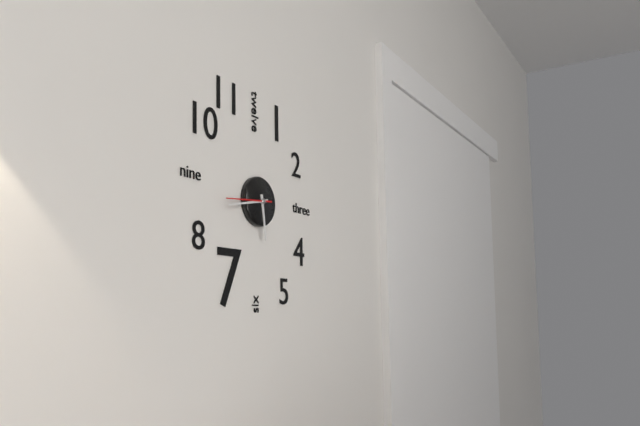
5:43
